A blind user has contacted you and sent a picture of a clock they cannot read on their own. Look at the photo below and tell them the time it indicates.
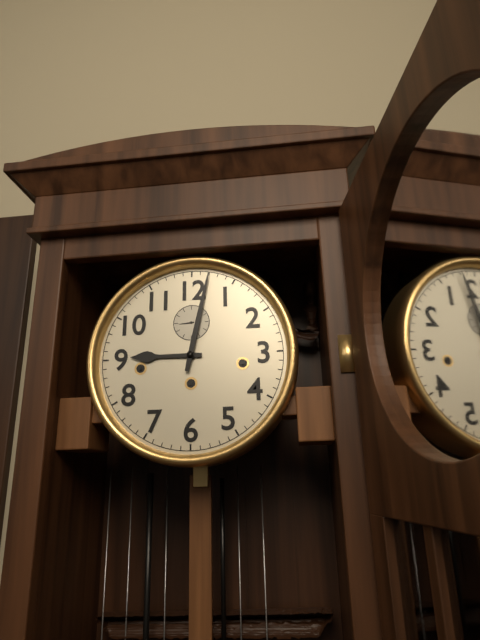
9:02
